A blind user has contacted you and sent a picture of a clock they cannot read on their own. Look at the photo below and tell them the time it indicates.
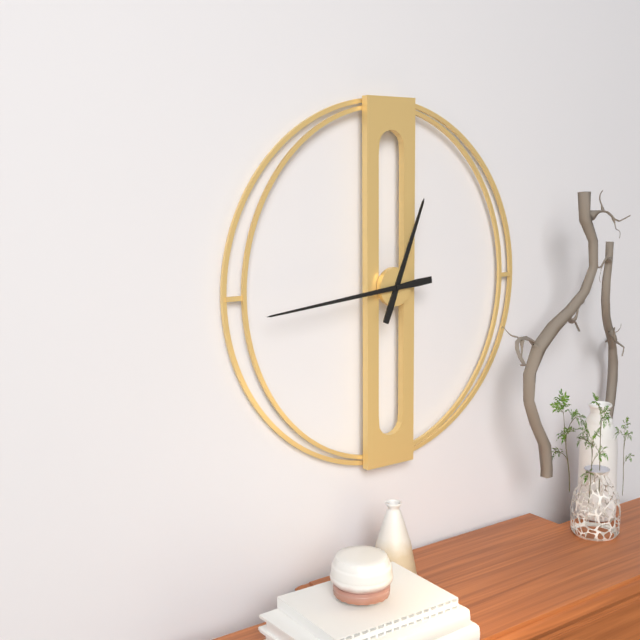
12:44
